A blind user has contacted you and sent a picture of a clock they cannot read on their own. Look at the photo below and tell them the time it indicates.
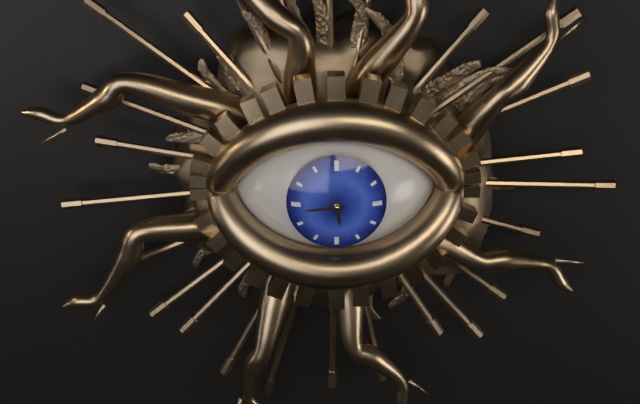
5:44
